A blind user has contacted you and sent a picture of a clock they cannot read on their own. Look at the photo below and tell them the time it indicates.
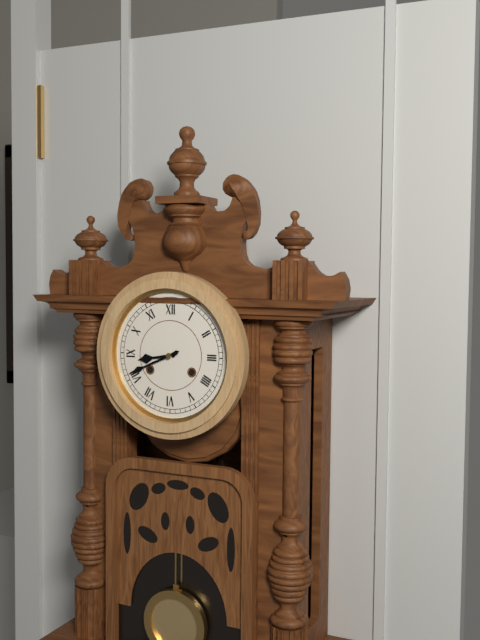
8:41
